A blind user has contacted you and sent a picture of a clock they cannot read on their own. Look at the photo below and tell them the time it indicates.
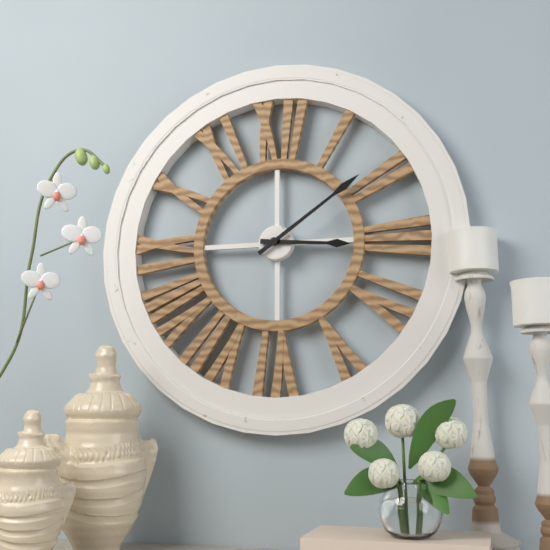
3:09
